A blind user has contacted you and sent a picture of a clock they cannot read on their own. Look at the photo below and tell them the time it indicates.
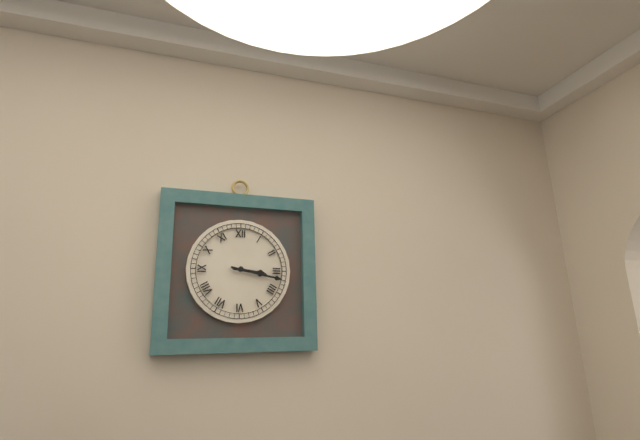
3:17
